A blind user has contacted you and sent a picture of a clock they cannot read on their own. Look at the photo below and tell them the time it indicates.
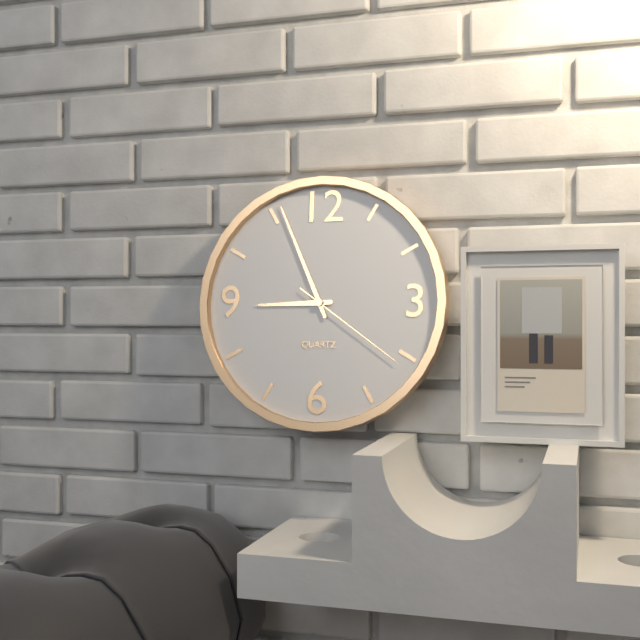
8:56:21
